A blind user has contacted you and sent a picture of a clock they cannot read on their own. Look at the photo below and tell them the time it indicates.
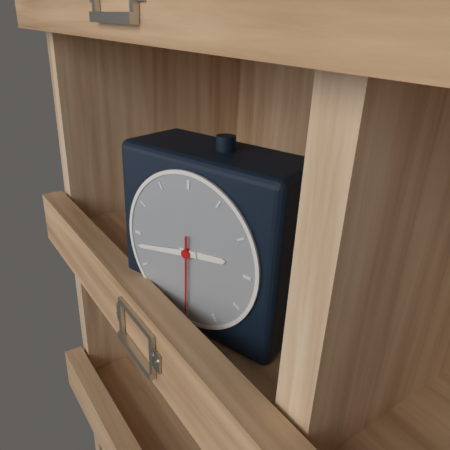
2:43:30
